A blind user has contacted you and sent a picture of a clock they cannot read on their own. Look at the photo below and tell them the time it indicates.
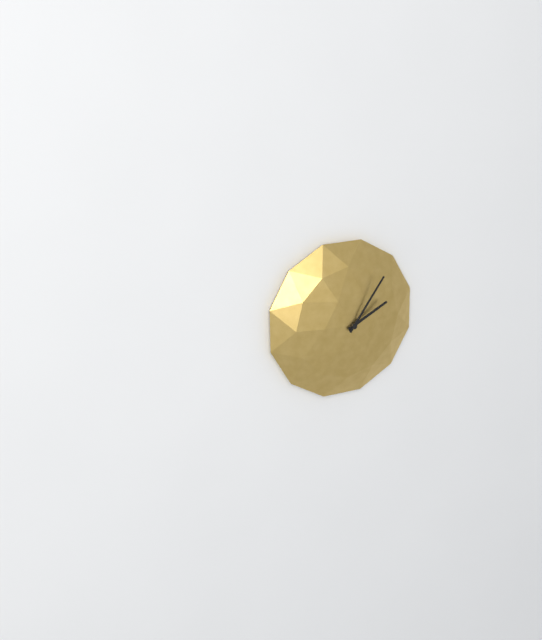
2:06
